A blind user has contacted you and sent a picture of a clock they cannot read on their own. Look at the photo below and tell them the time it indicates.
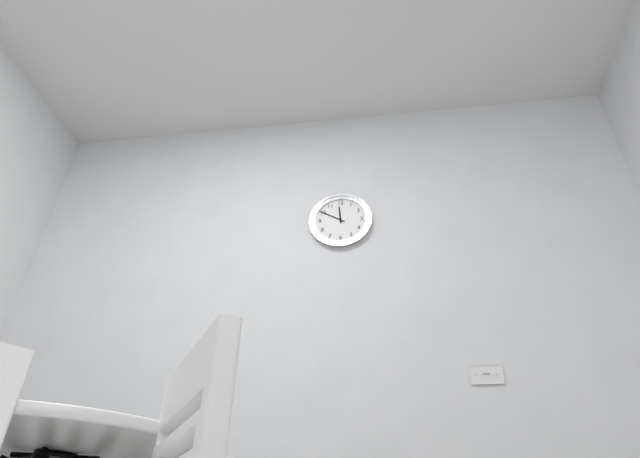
11:50
